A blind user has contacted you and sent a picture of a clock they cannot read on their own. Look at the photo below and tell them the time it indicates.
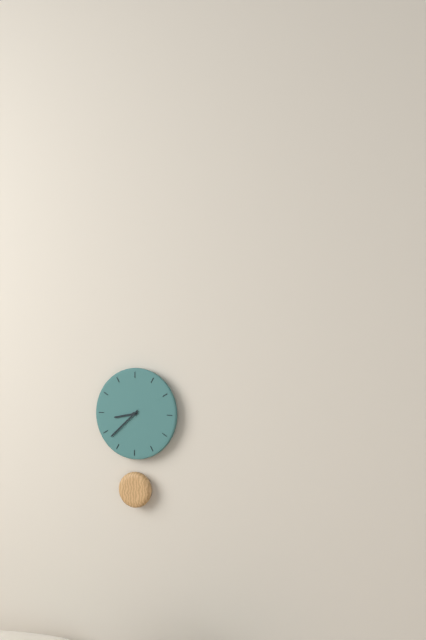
8:38
